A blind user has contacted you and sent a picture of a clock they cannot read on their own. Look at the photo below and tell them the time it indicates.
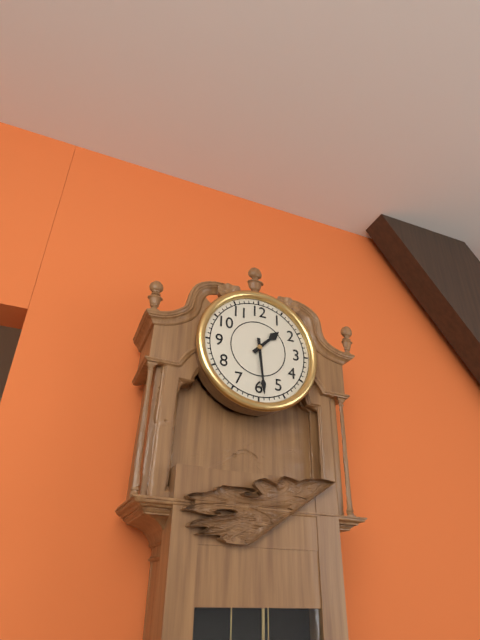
1:29
